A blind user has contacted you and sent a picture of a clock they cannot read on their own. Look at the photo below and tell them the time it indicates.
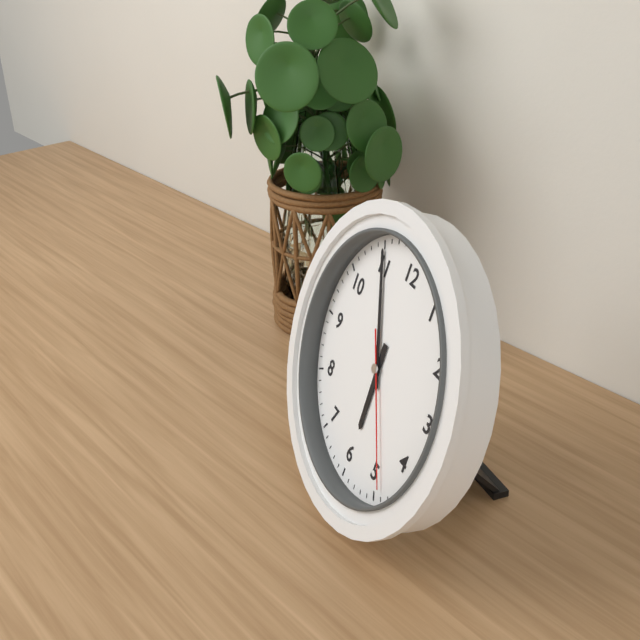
5:55:24
